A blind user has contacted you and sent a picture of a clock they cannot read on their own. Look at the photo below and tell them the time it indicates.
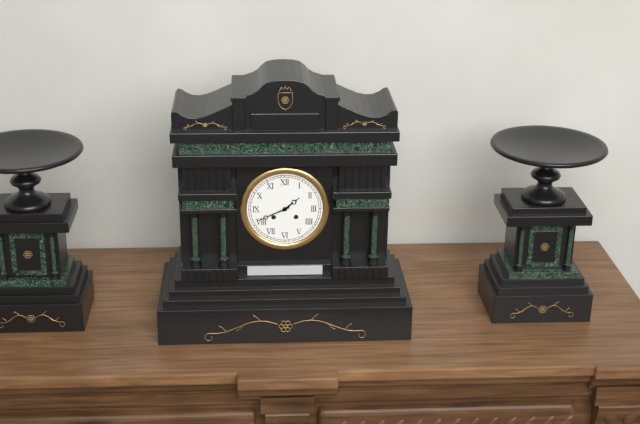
1:41
